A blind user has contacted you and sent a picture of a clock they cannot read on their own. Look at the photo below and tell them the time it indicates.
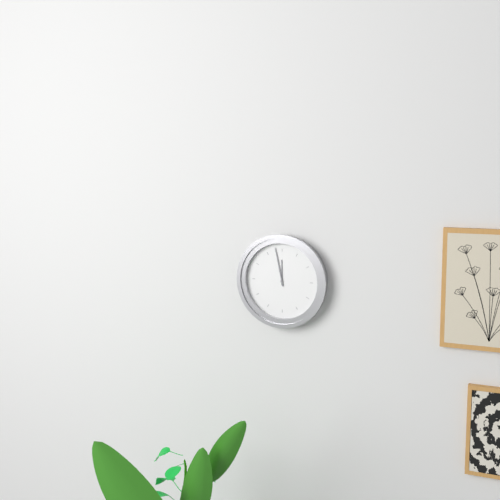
11:58
